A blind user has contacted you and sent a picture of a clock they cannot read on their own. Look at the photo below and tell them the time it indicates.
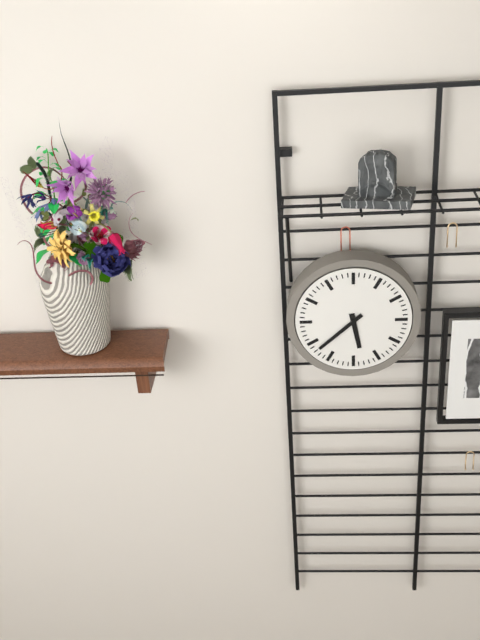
5:38
